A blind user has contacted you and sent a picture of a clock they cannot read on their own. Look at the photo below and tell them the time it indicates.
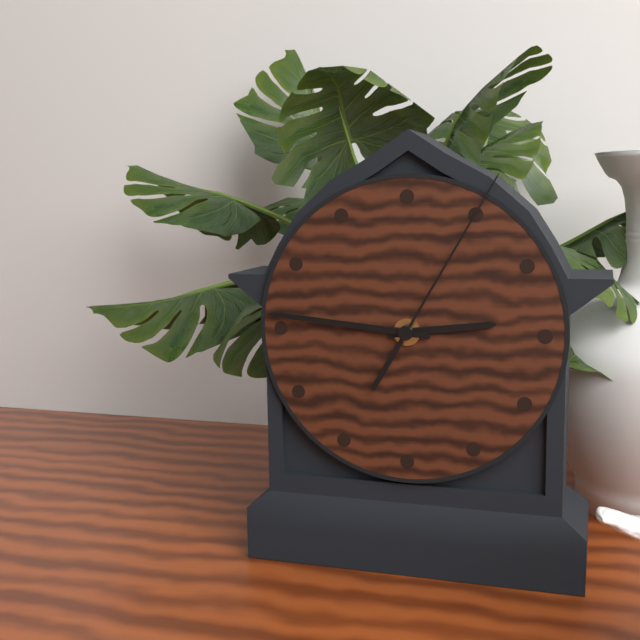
2:46:05
